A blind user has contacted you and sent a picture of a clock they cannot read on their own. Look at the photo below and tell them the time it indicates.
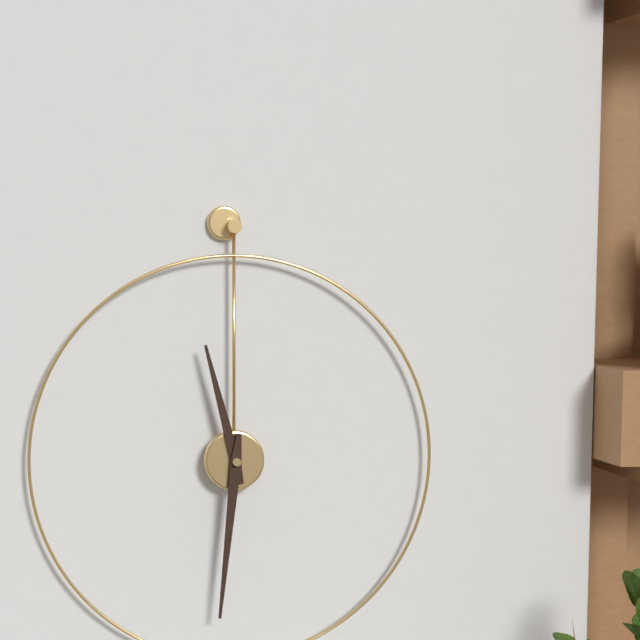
11:31
